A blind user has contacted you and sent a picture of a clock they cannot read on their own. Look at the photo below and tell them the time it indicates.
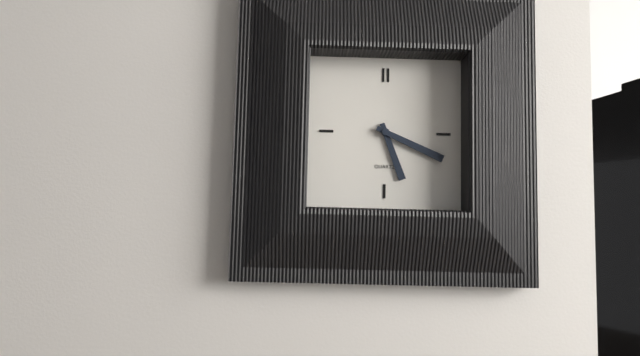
5:19
